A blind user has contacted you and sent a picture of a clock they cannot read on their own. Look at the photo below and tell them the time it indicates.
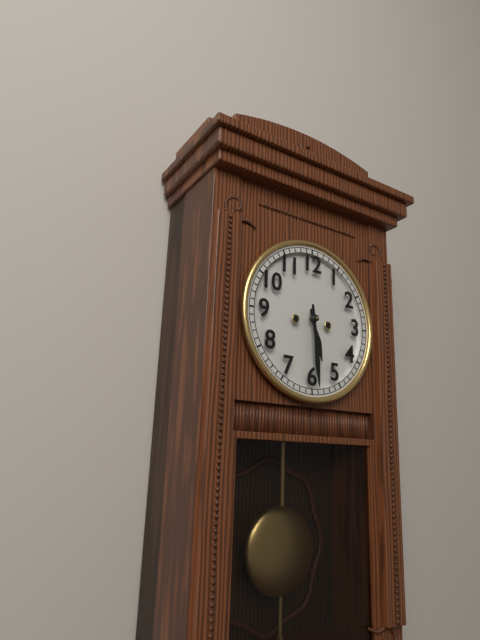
5:29
